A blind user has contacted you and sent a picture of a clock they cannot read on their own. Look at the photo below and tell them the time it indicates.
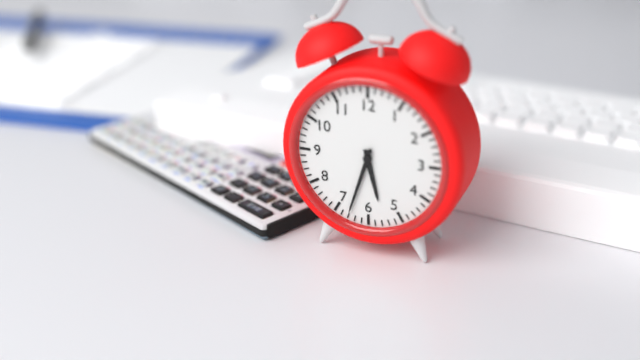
5:33
